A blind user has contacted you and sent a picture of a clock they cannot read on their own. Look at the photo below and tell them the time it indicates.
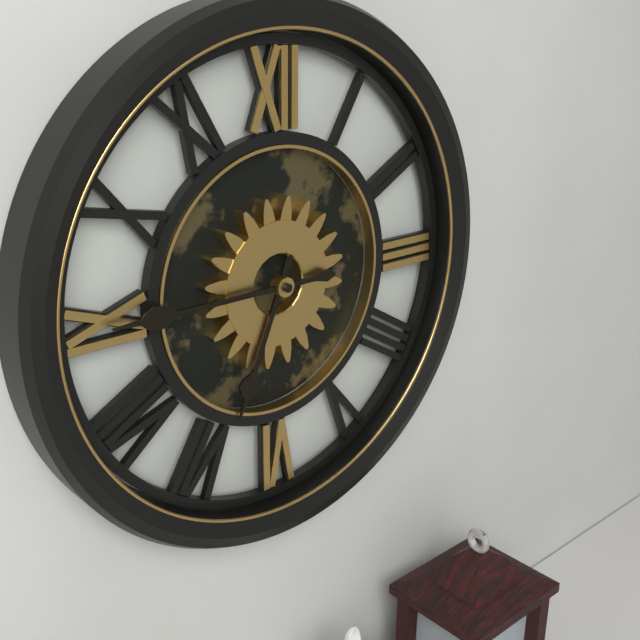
6:45
